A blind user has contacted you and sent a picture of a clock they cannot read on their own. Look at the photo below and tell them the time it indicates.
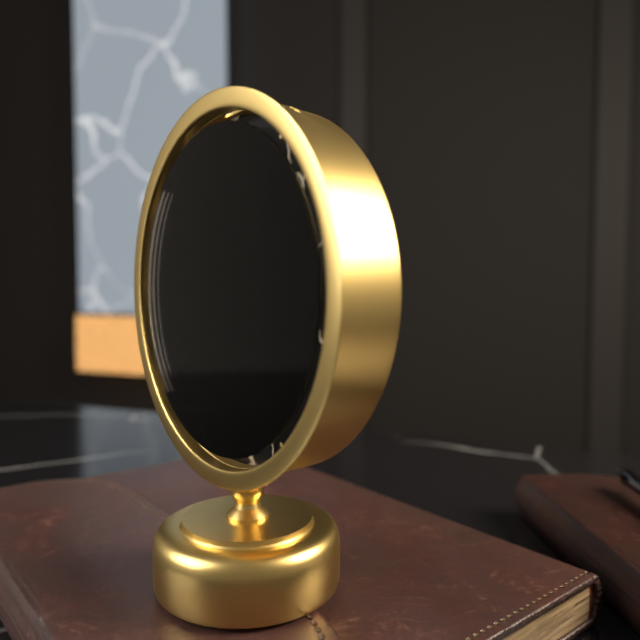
1:19:44
